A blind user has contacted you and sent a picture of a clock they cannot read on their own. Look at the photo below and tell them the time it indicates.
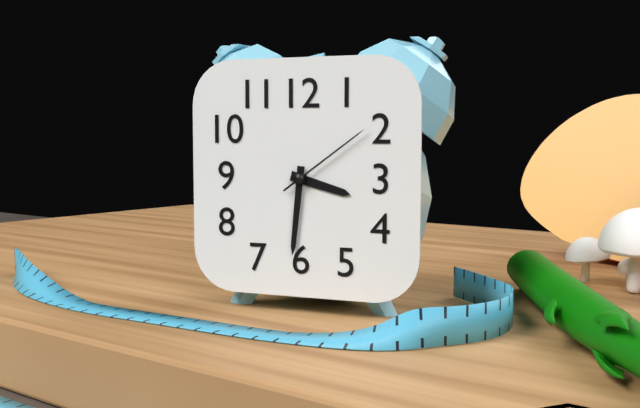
3:31:09
